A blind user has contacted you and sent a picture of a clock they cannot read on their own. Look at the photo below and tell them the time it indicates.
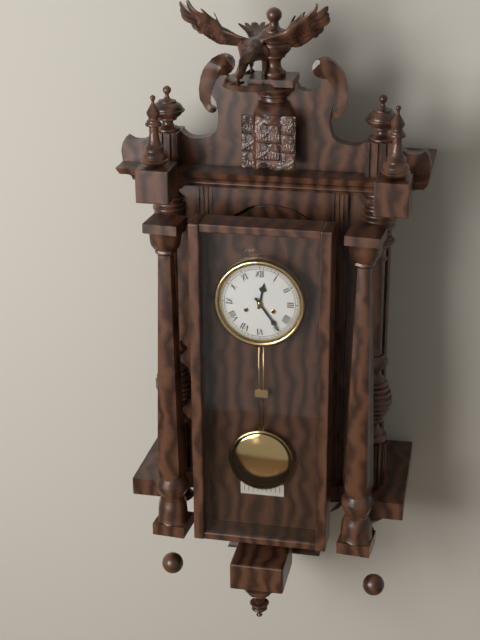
12:24
